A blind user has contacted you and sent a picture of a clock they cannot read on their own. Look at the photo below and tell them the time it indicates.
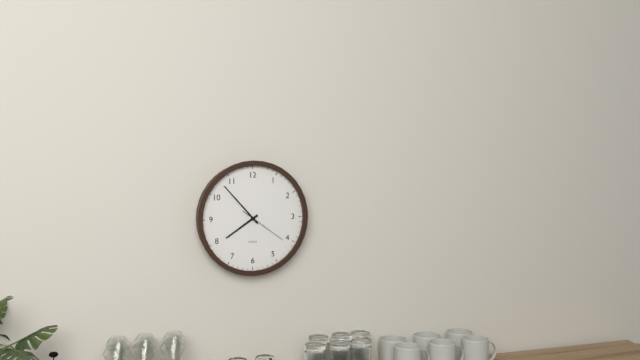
7:53
